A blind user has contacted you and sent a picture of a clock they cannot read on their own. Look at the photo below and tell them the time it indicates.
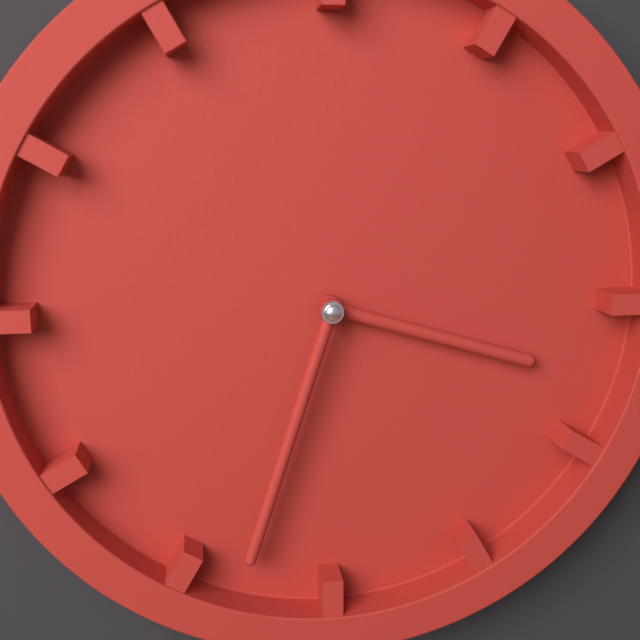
3:33
